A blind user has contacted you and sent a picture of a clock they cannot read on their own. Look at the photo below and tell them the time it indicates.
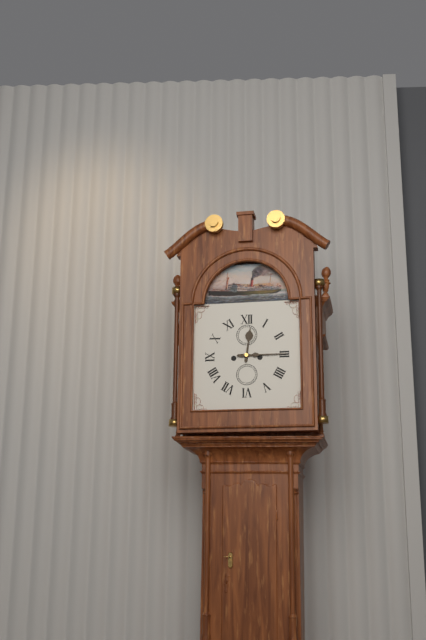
12:15
